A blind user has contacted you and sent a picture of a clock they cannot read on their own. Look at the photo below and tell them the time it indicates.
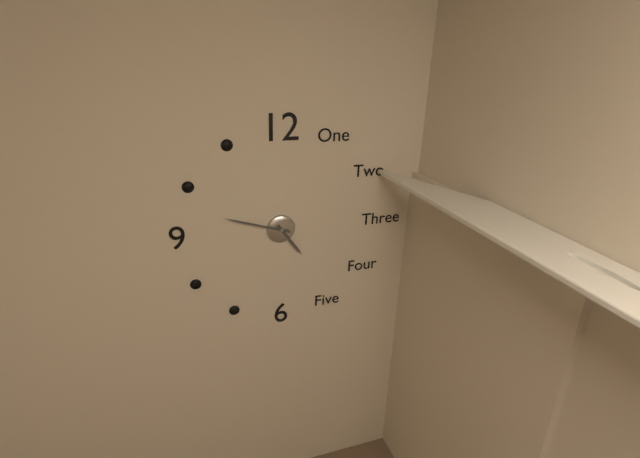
4:48
